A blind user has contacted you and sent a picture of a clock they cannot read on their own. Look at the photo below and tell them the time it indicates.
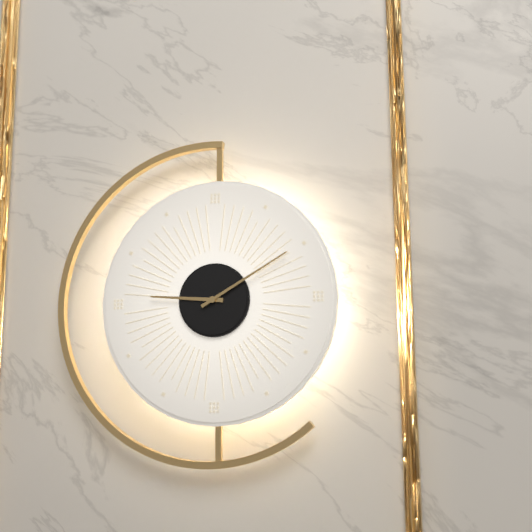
9:10
